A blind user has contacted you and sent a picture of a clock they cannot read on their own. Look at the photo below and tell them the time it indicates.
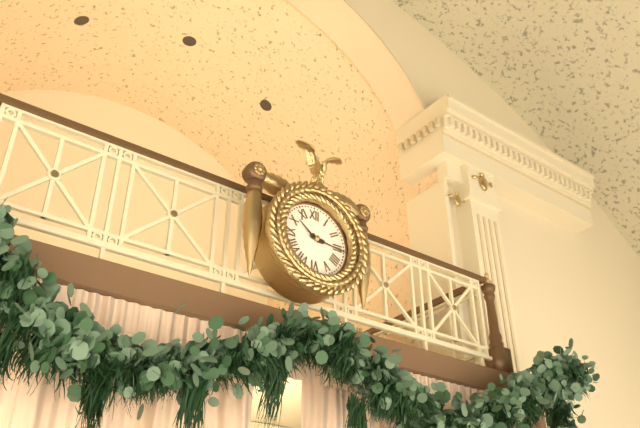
10:16
